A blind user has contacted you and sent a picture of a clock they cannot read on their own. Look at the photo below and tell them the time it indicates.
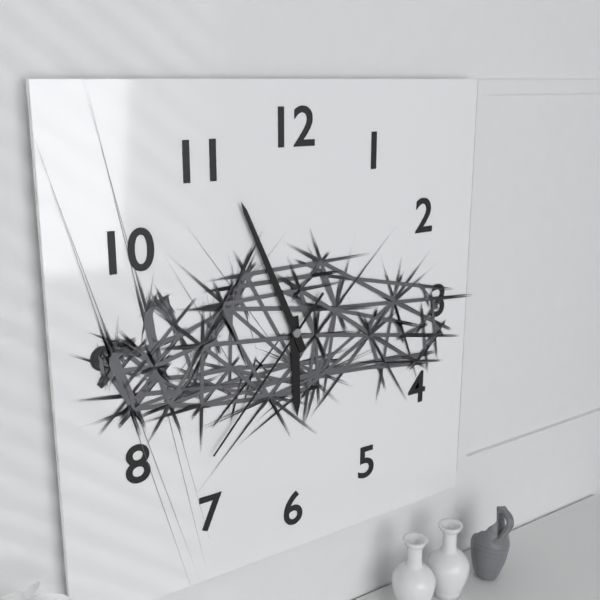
5:56:37
